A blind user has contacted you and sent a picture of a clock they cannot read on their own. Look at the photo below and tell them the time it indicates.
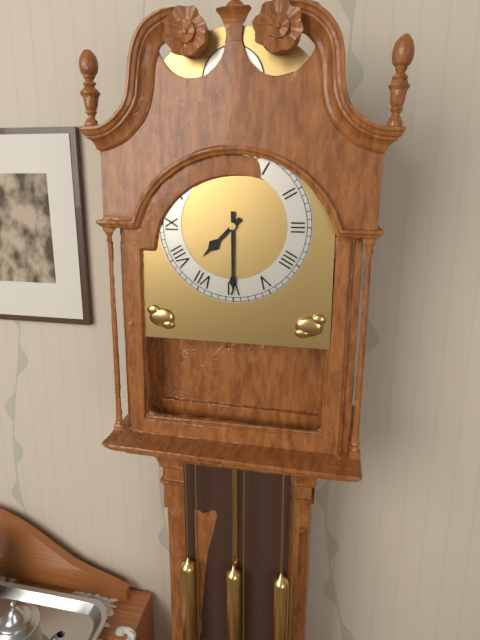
7:30
